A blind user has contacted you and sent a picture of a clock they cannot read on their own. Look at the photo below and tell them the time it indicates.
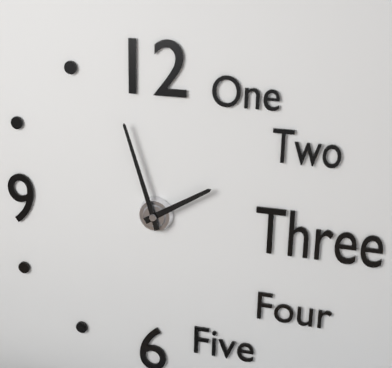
1:57
